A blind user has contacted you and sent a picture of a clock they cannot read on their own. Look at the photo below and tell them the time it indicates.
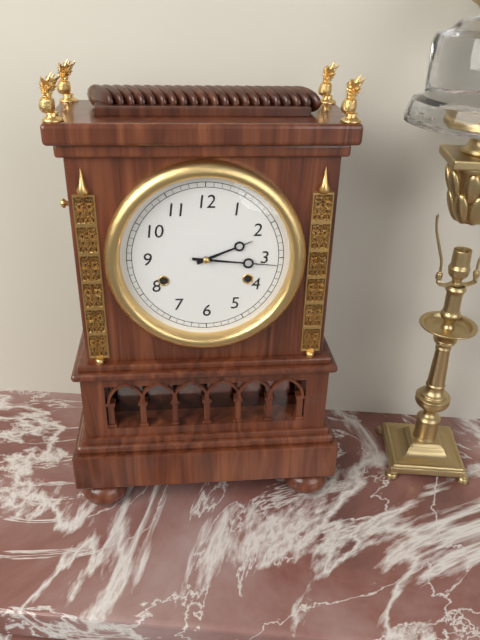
2:16
